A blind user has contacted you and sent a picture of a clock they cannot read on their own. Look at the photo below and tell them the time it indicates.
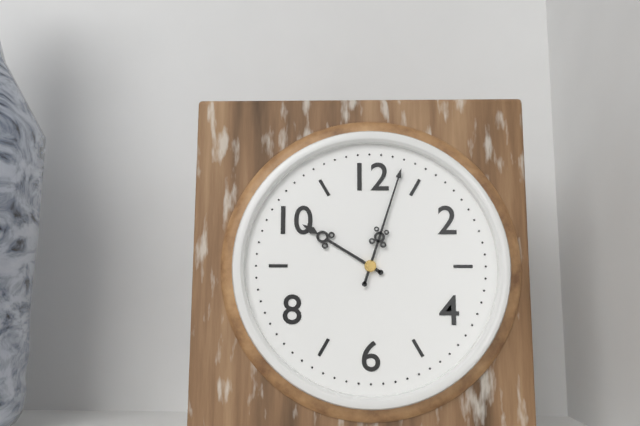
10:03
